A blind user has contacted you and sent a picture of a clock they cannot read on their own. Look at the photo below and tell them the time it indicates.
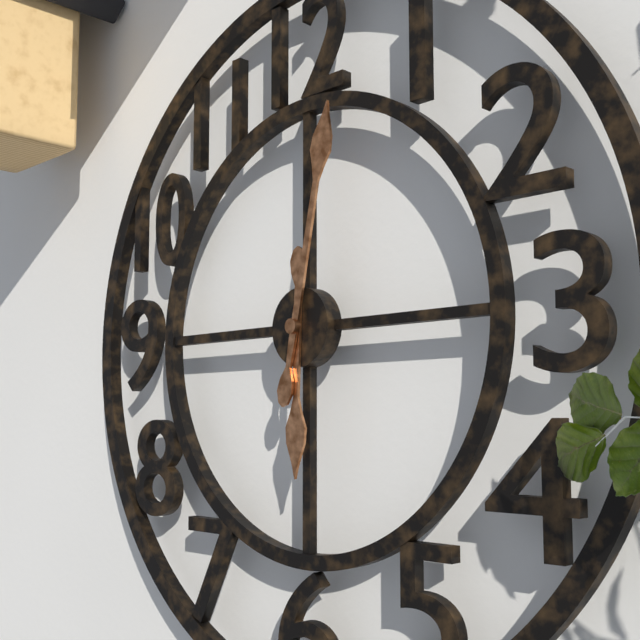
6:02
